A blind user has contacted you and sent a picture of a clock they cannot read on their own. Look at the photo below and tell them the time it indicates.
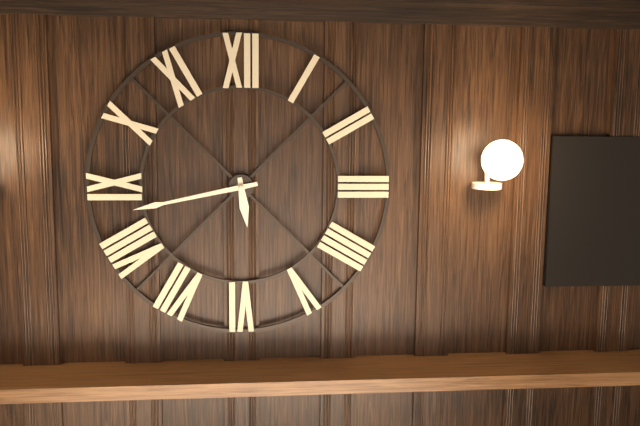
5:43
